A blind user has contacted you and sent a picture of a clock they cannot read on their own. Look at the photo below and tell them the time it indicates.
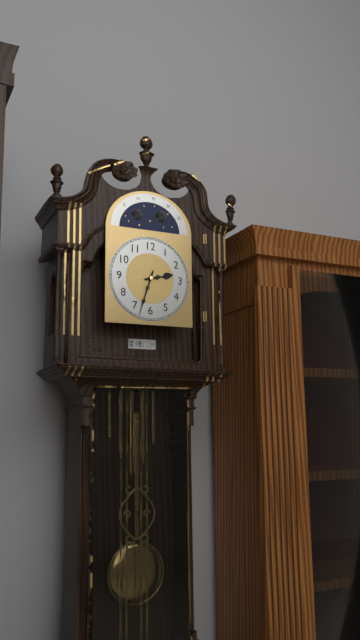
2:33
